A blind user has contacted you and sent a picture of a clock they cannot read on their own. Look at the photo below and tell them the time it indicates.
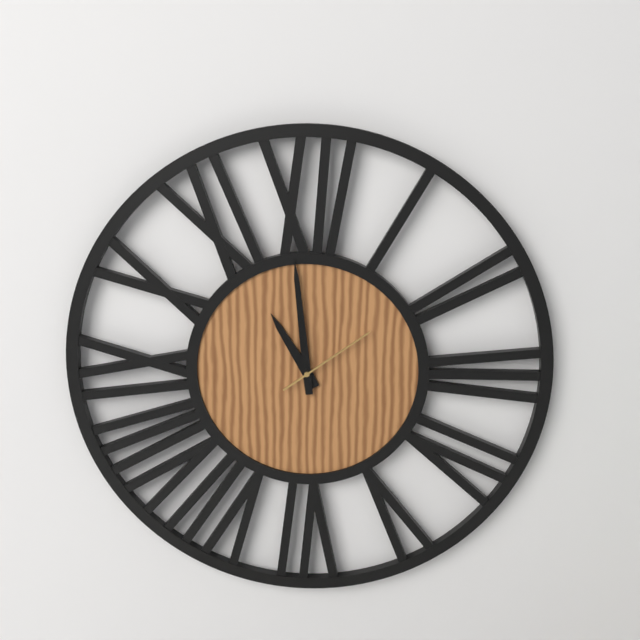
10:59:09
